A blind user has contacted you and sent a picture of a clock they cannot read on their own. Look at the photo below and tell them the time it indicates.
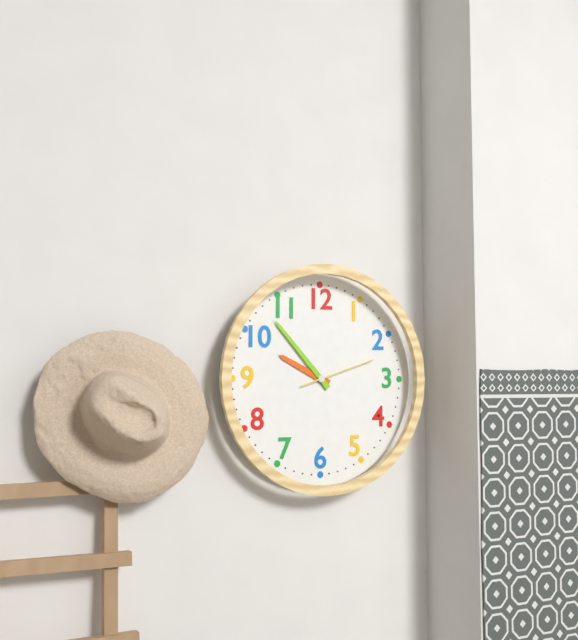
9:53:12
